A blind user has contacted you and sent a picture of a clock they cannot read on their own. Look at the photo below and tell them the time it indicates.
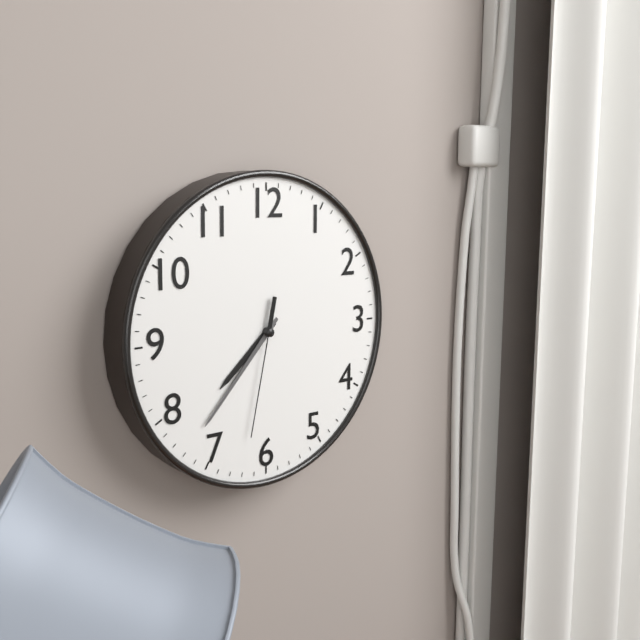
7:37:32
